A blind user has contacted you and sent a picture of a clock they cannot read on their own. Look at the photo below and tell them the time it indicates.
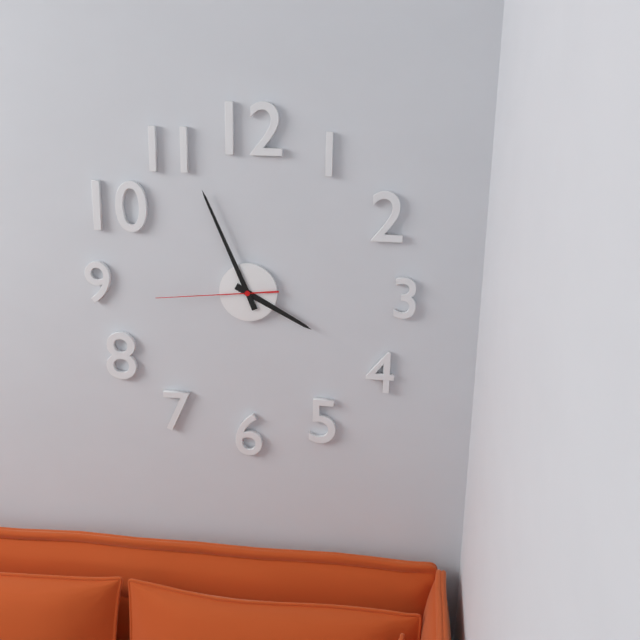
3:56:44
